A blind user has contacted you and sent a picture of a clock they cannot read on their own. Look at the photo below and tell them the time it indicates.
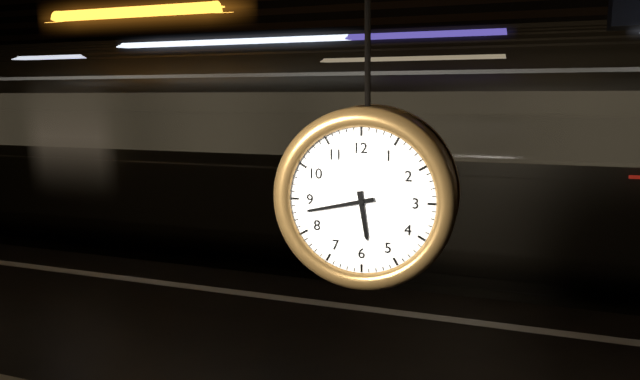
5:43
